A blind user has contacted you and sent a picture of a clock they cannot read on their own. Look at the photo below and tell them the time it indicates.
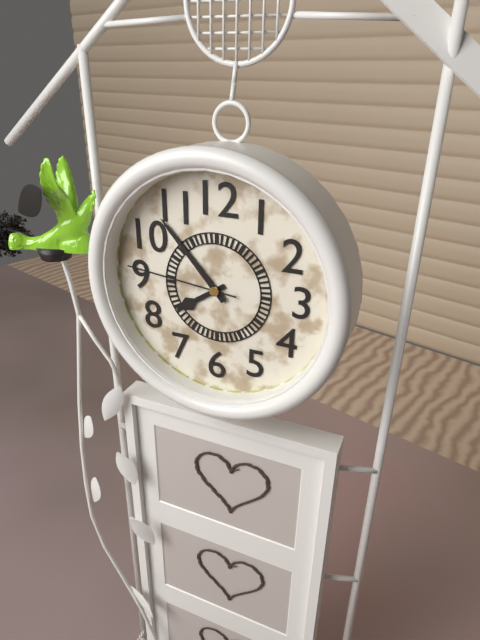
7:53:46
